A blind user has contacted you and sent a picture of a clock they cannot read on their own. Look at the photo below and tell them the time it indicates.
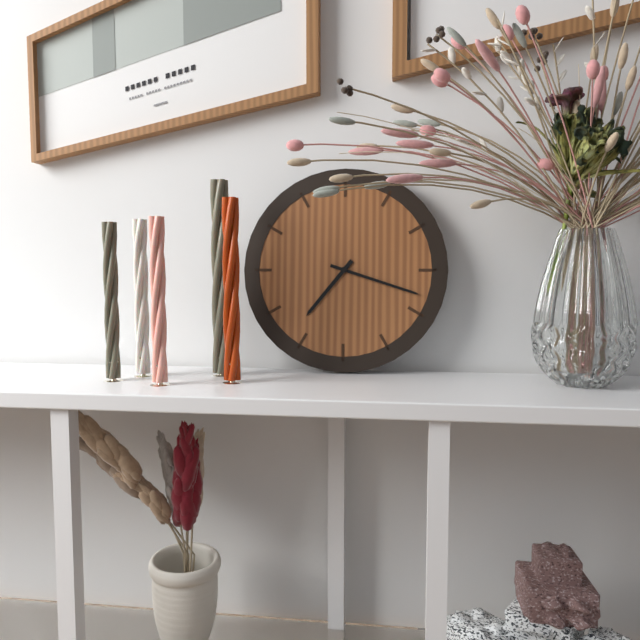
7:18
